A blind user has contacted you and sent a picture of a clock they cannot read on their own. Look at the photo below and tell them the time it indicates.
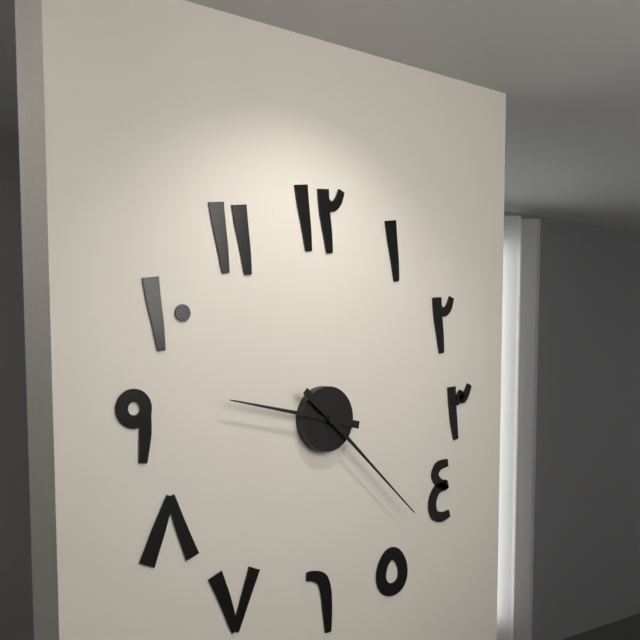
9:22
